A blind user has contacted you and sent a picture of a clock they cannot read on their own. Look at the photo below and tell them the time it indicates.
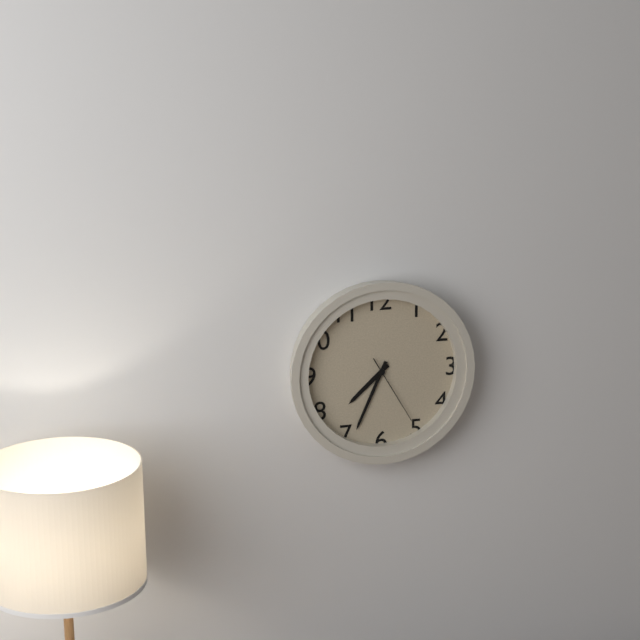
7:34:25
